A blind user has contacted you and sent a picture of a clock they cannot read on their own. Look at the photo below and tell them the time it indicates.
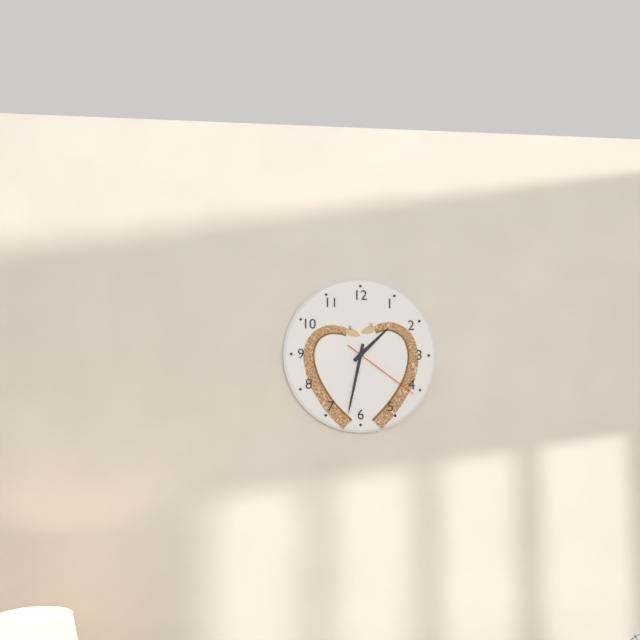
1:32:21
